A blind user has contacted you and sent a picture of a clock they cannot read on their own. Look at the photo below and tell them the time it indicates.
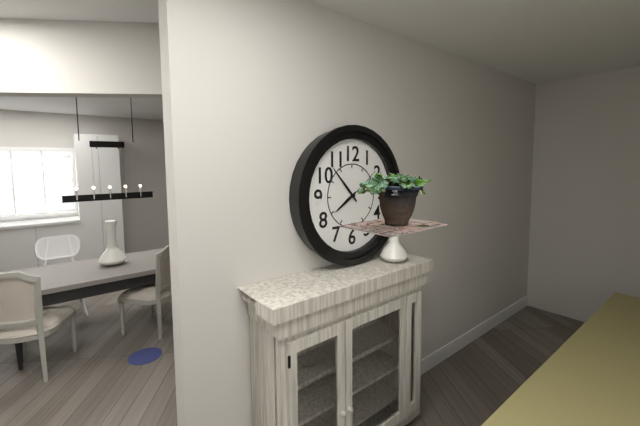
7:53
